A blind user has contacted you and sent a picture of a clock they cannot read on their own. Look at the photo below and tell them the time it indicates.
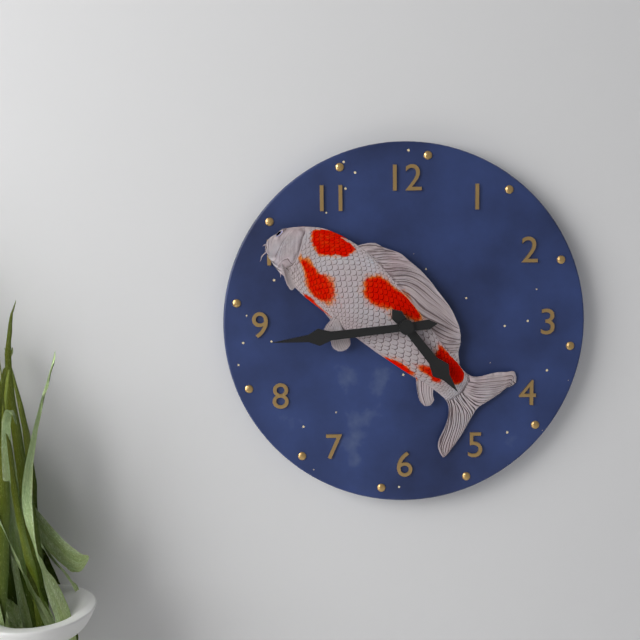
4:44
